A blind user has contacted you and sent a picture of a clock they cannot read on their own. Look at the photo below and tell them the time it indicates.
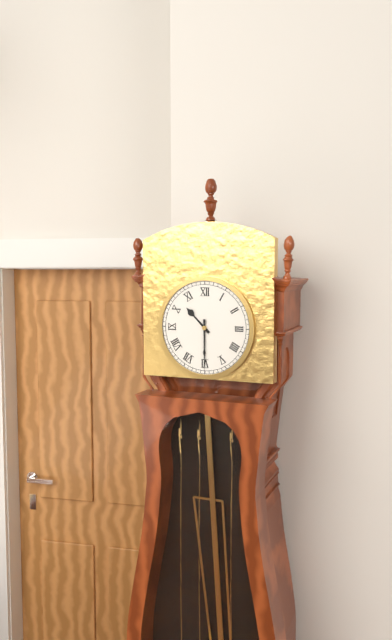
10:30
